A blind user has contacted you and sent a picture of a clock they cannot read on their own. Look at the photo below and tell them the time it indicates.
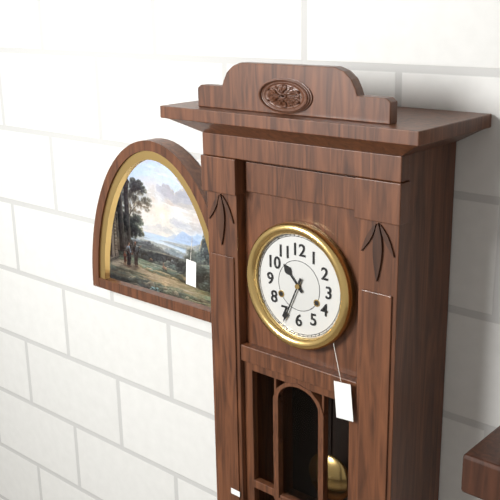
10:34
